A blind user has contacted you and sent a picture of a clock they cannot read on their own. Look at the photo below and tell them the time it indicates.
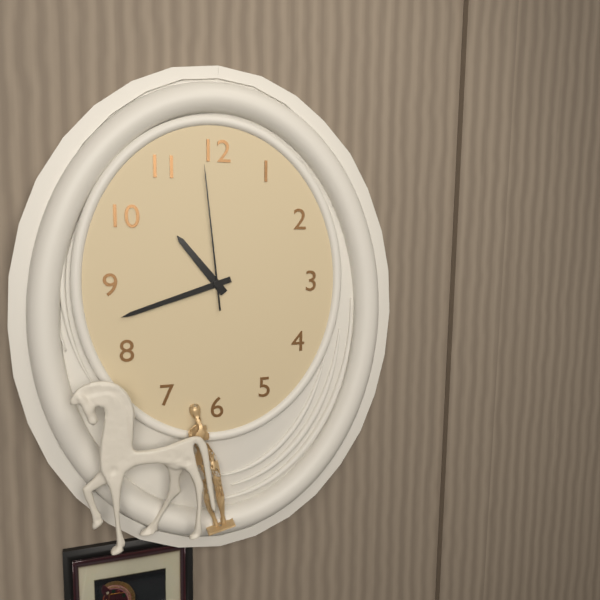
10:42:59
